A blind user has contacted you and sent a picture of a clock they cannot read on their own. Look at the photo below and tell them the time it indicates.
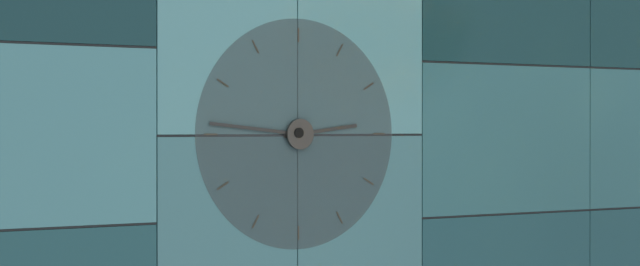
2:46
